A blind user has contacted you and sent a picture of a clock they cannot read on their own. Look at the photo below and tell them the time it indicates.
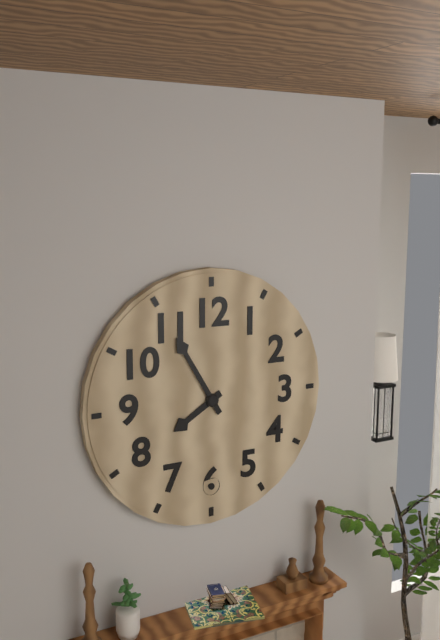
7:55
